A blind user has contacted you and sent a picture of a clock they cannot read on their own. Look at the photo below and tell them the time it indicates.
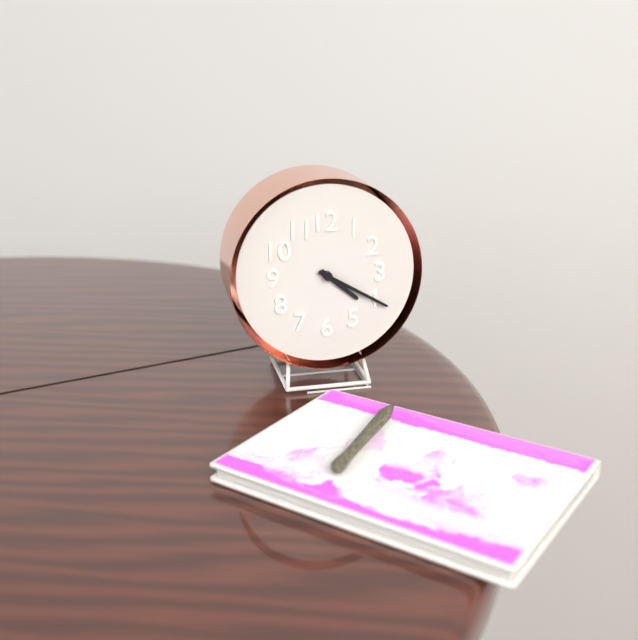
4:20
